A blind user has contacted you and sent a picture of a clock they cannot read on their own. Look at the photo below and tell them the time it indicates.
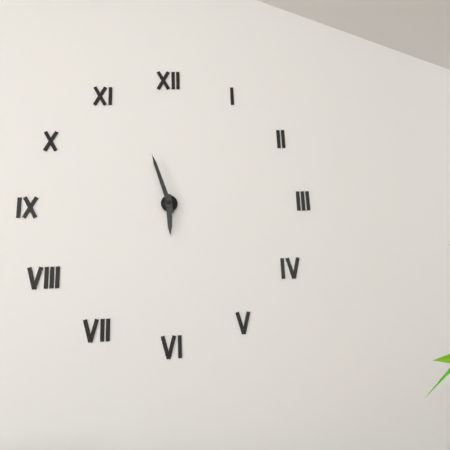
5:57
